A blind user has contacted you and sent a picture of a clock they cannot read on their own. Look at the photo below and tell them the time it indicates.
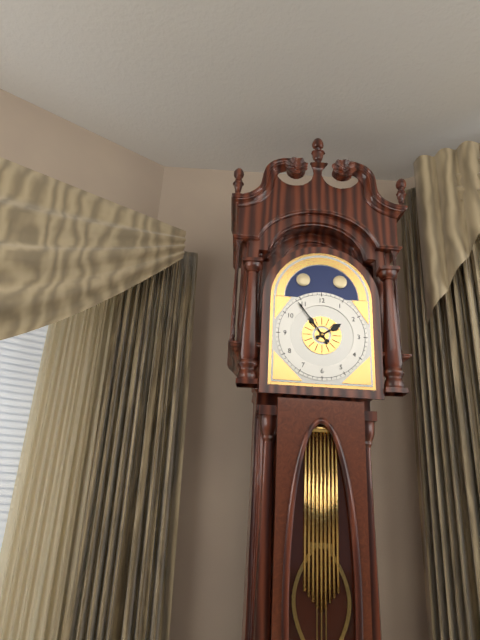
1:54
